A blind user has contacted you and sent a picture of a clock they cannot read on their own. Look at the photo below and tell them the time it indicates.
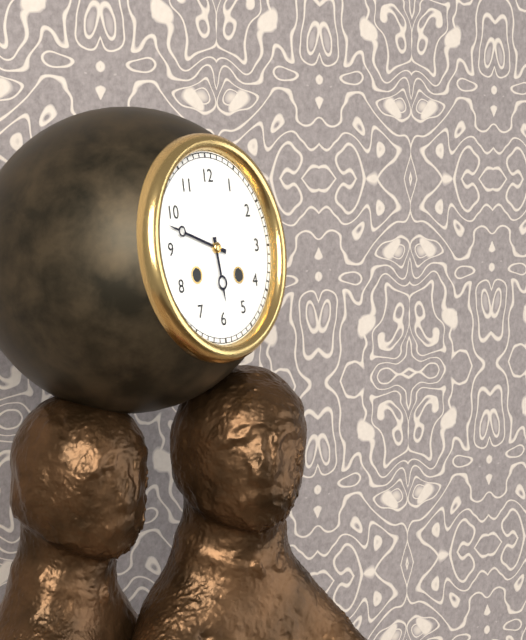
5:48
